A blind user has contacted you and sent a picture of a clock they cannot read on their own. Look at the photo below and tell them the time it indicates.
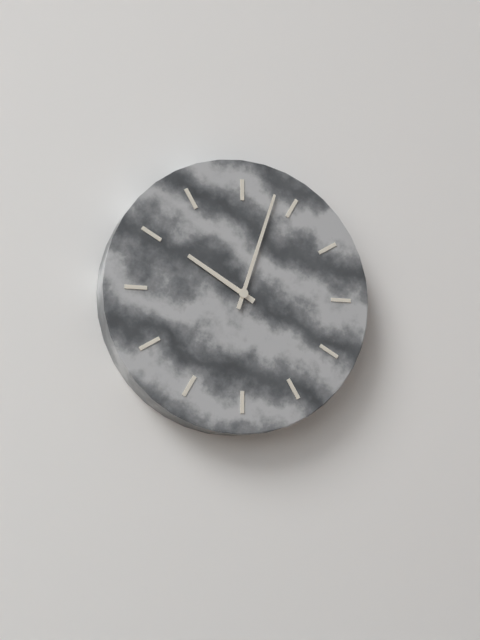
10:03
